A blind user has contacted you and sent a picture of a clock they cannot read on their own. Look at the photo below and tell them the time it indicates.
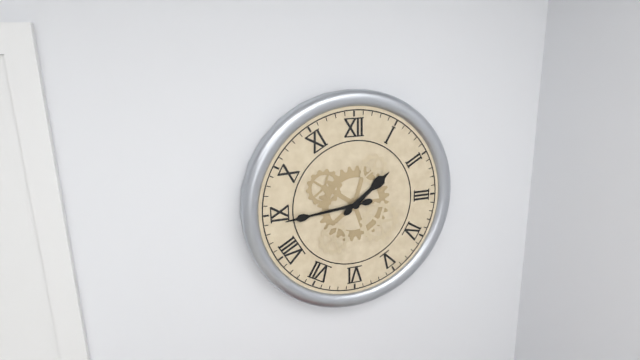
1:44
